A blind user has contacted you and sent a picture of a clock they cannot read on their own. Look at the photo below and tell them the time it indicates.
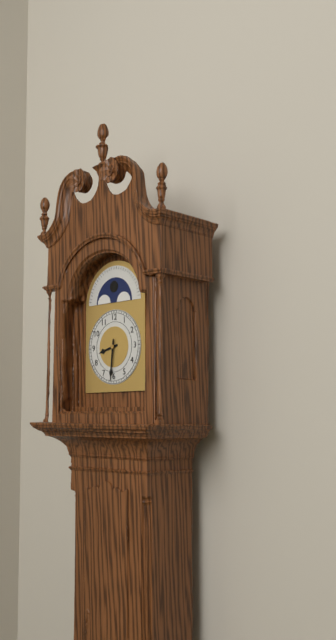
8:31
